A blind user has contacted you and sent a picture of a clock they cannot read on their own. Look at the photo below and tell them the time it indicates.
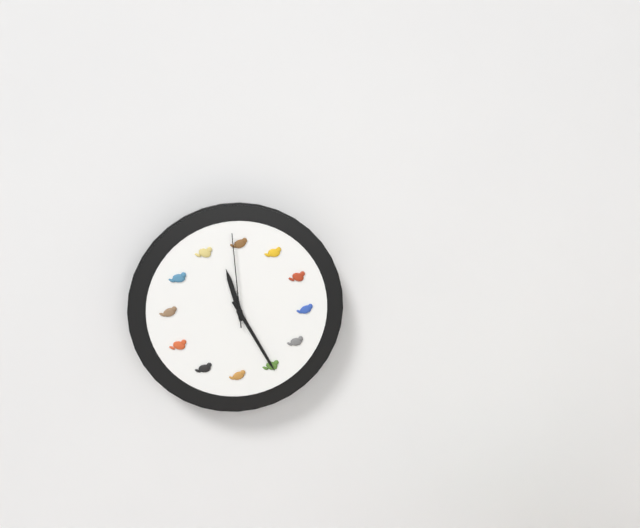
11:25:59
